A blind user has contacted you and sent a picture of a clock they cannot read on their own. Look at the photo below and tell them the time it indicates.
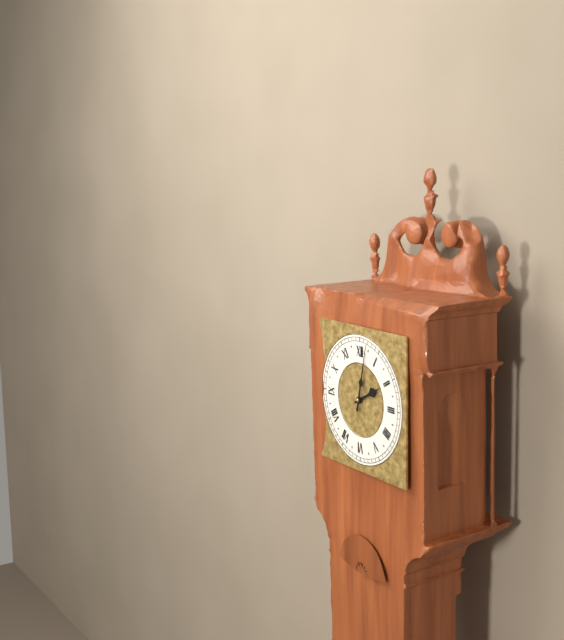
2:02
